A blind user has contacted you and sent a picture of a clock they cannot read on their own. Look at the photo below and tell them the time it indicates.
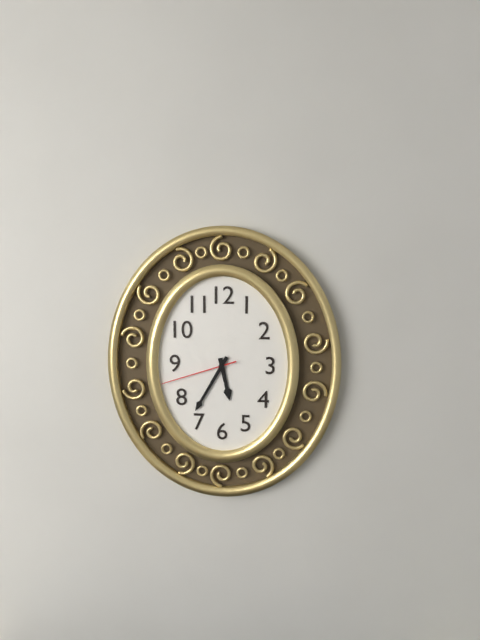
5:35:42
